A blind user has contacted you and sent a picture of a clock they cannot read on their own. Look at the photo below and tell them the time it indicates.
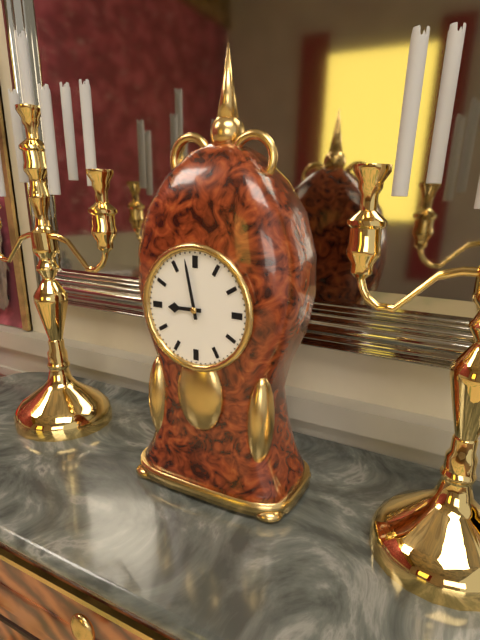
8:58
